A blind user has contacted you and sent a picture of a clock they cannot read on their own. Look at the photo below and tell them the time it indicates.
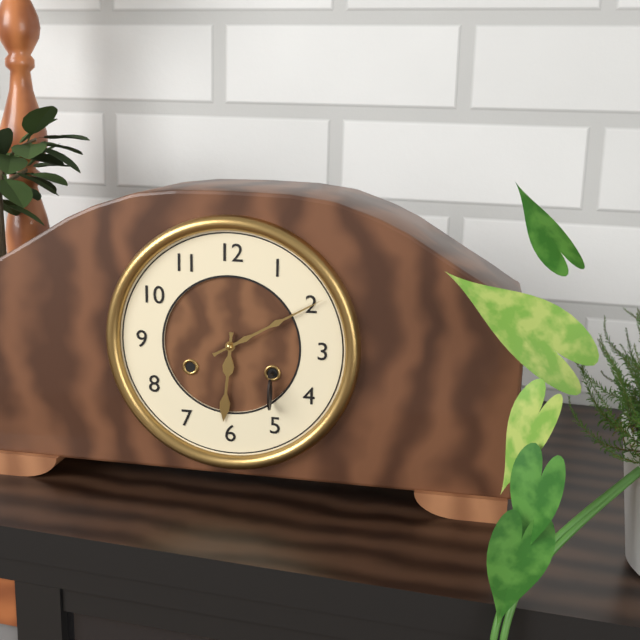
6:10
